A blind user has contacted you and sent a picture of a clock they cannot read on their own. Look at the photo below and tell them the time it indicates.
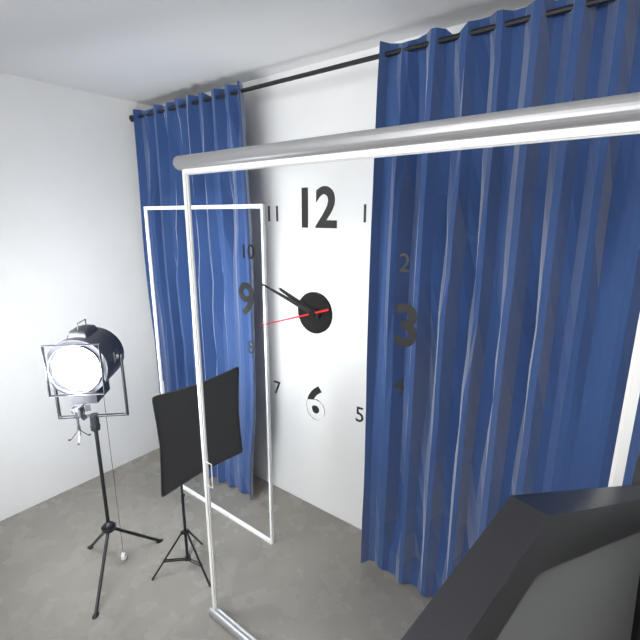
9:48:42
